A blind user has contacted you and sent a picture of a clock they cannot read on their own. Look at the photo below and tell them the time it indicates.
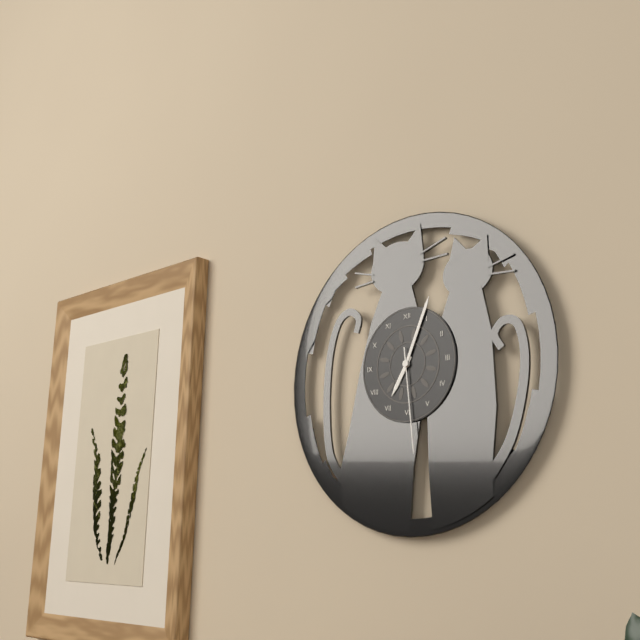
7:04:29
